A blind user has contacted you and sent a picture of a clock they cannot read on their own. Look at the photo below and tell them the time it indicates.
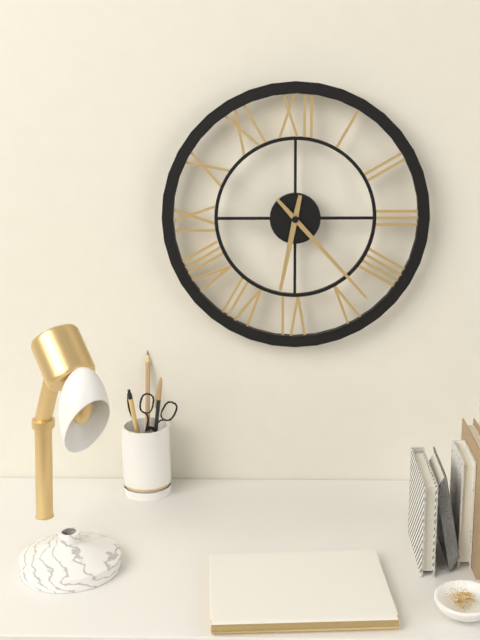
6:23
